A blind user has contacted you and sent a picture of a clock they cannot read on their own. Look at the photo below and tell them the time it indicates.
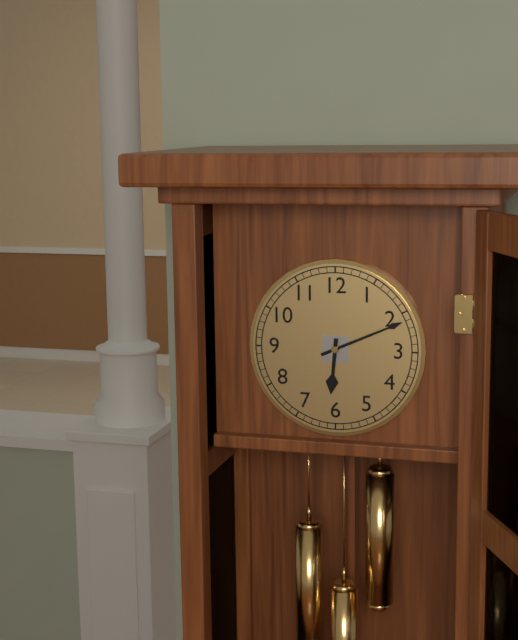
6:11
